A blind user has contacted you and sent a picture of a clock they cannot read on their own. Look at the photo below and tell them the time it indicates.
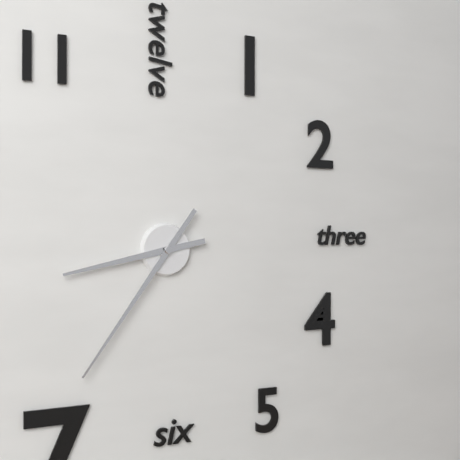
8:36
